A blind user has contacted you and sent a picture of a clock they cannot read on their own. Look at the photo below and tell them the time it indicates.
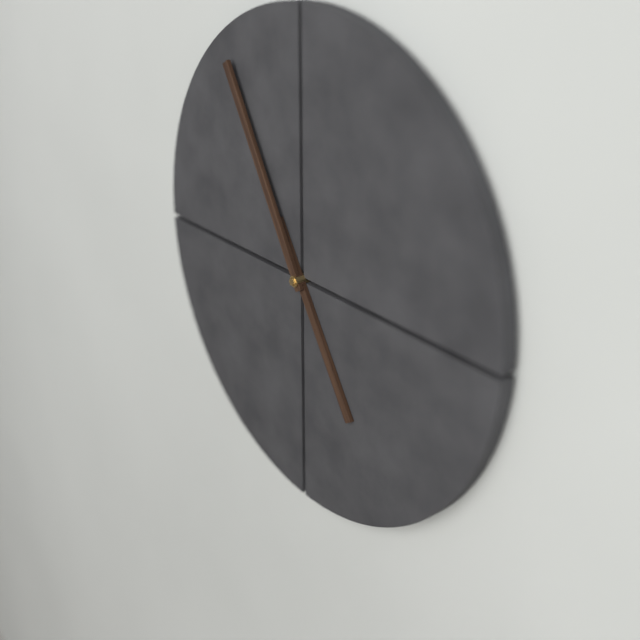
4:55
